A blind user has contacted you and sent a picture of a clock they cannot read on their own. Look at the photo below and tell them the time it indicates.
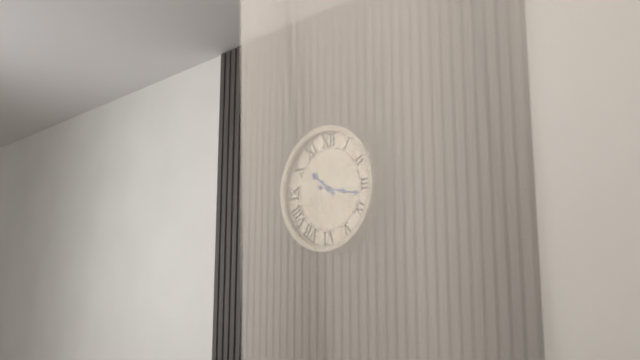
10:17
